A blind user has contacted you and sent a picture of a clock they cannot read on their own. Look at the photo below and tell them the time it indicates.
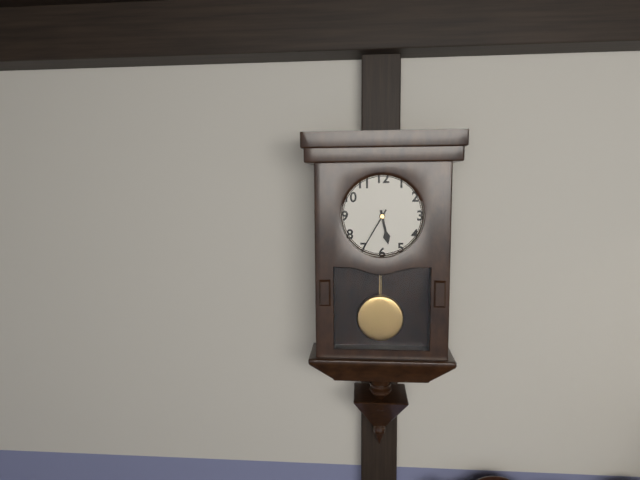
5:35
